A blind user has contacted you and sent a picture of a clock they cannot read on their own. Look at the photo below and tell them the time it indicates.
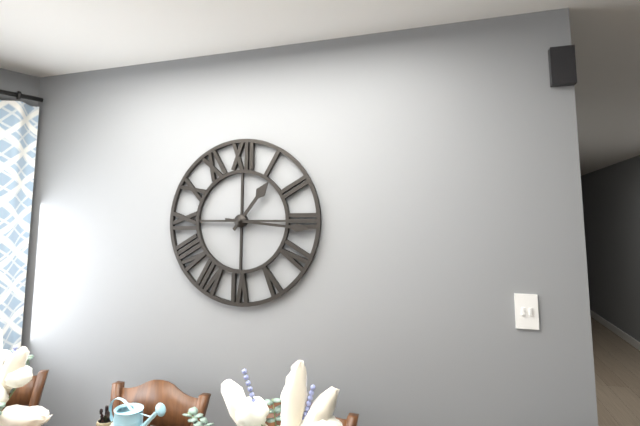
1:16
